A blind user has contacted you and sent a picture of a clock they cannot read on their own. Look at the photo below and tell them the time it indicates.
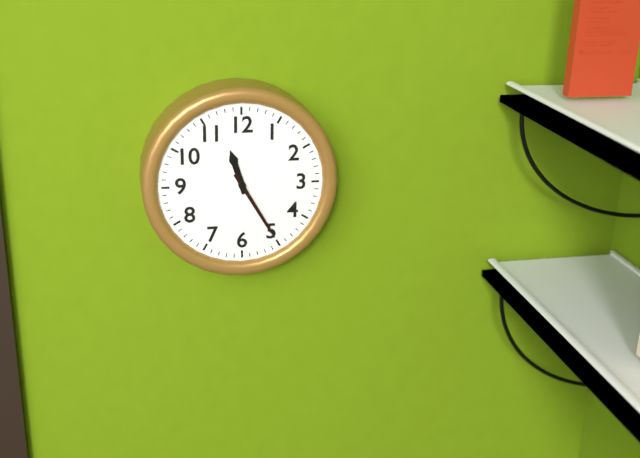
11:25
